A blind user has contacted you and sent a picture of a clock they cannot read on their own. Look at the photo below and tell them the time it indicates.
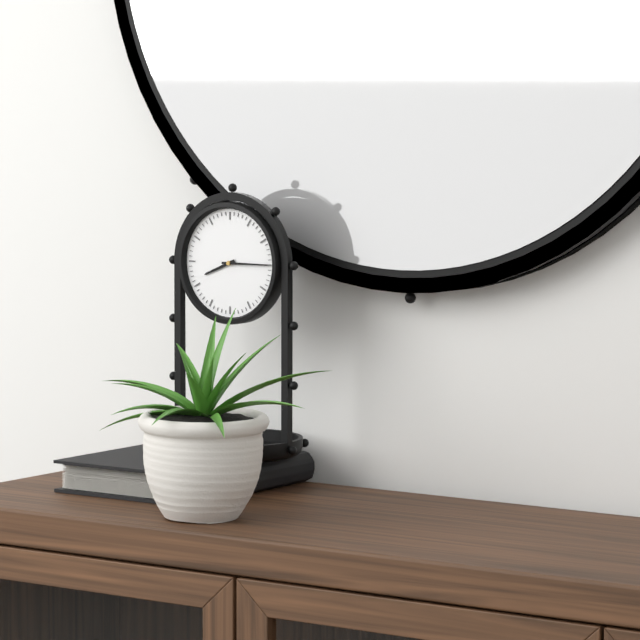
8:15
